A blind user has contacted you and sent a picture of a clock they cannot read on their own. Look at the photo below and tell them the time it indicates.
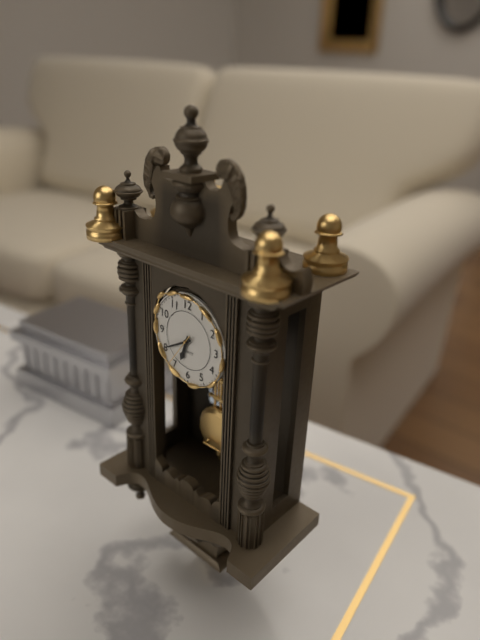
6:40
